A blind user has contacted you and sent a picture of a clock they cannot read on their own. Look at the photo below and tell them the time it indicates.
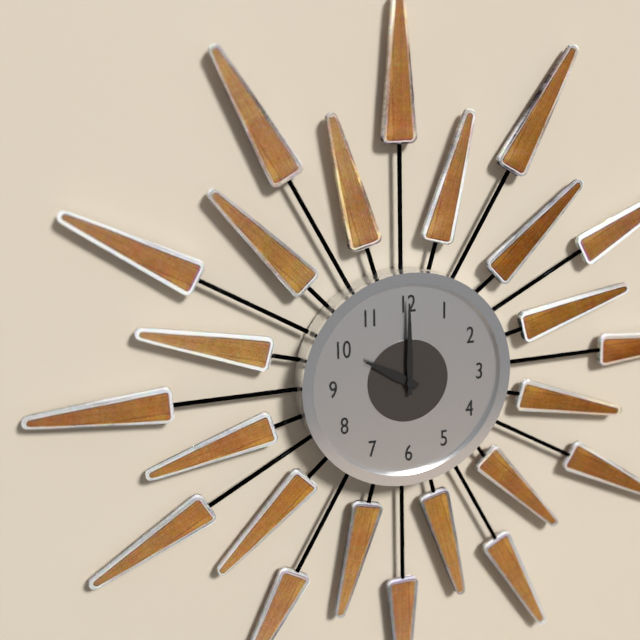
10:00
